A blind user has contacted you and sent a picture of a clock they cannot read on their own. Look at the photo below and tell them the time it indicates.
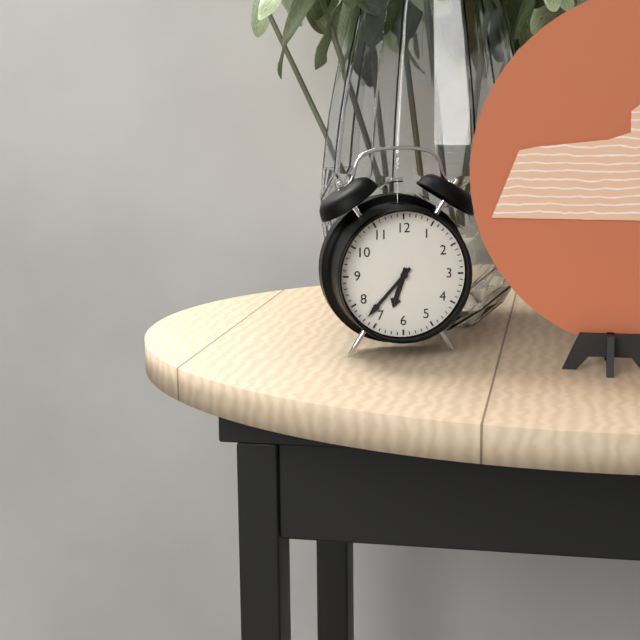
6:37
